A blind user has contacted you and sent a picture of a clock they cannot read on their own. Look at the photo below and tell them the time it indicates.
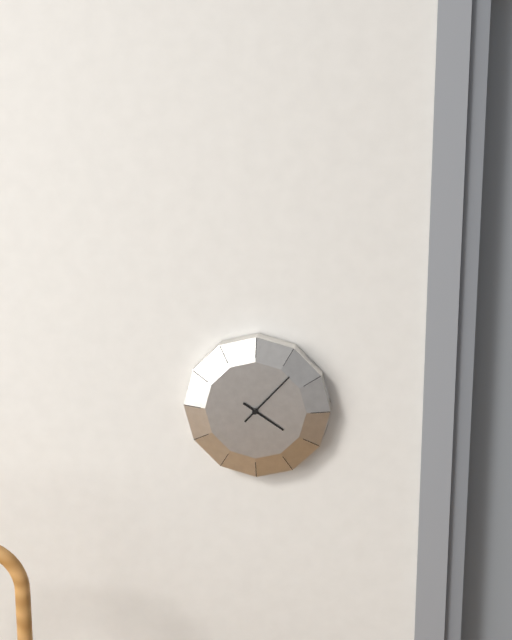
4:07
